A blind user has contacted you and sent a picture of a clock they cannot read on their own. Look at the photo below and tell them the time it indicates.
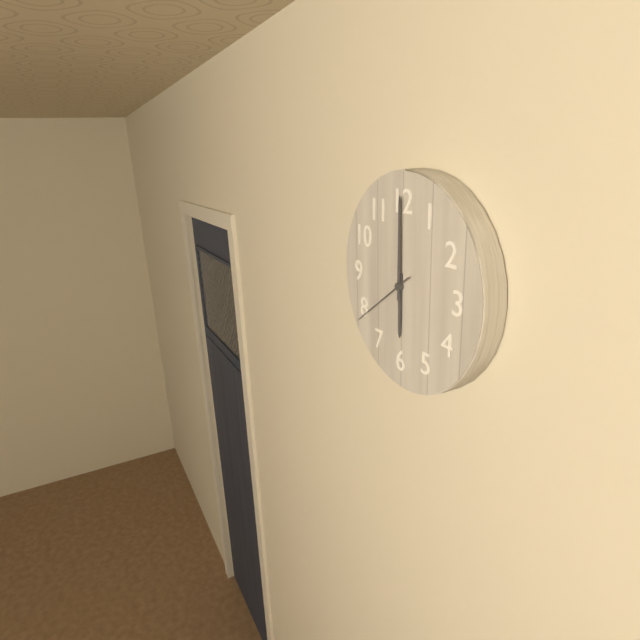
6:00:39
